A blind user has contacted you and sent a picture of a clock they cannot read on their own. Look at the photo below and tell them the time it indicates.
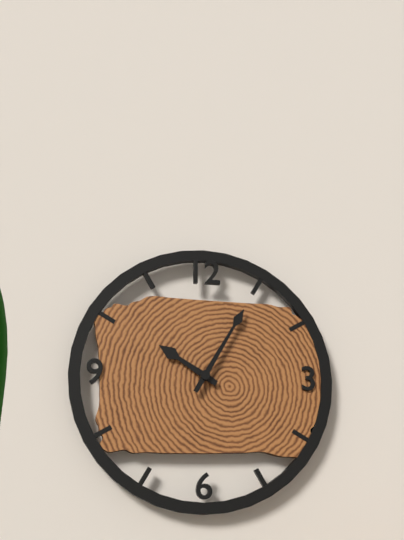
10:05
